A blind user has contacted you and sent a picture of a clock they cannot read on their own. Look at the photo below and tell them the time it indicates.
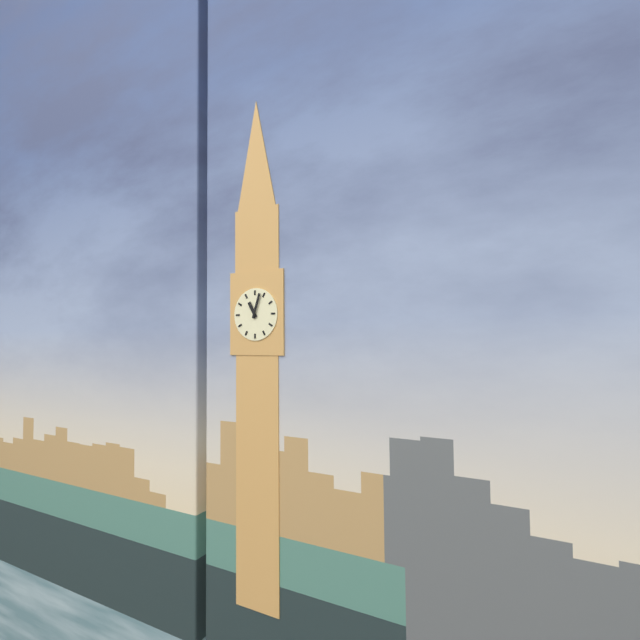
11:03
